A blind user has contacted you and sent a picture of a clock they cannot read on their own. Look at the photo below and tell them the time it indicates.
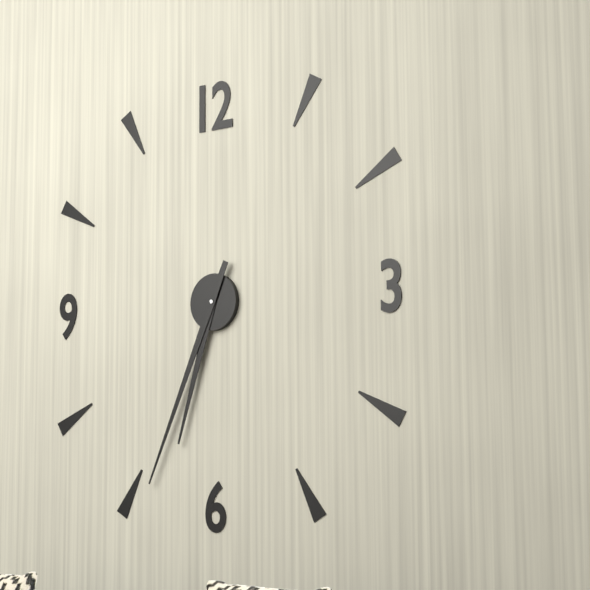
6:34
